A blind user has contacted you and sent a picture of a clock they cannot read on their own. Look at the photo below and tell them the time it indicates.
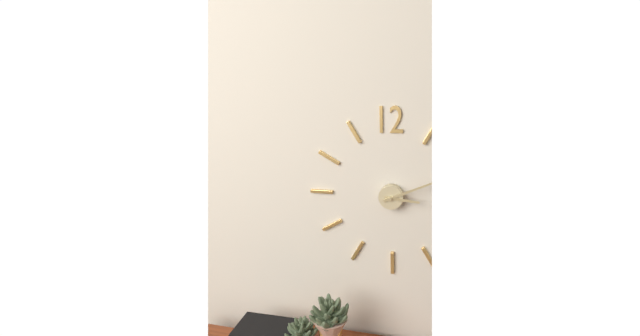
3:11
